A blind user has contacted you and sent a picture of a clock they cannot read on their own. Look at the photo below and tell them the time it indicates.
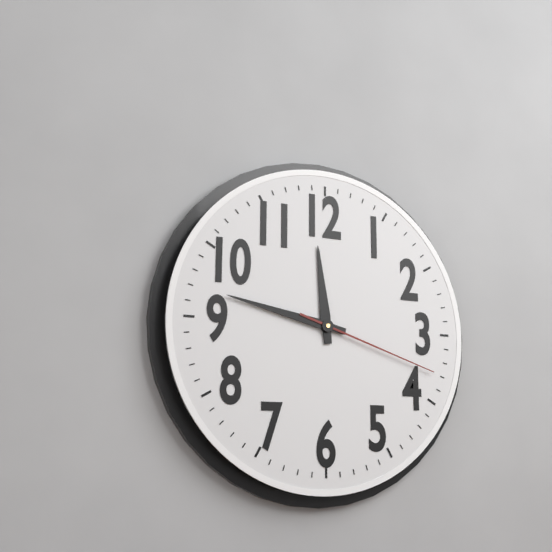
11:47:18
